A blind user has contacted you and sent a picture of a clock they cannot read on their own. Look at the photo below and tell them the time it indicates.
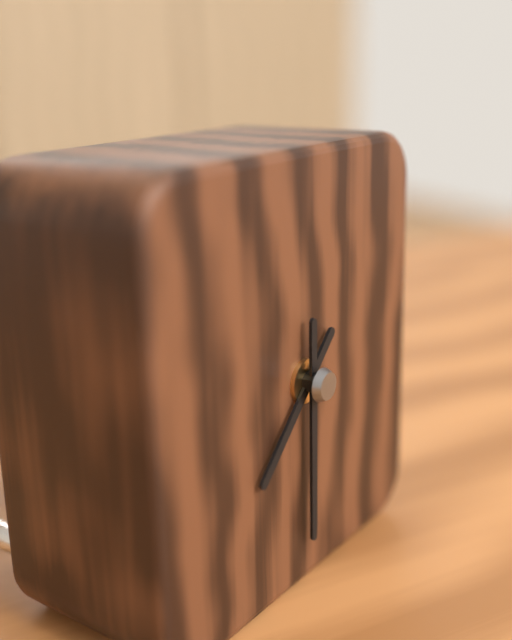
7:30
